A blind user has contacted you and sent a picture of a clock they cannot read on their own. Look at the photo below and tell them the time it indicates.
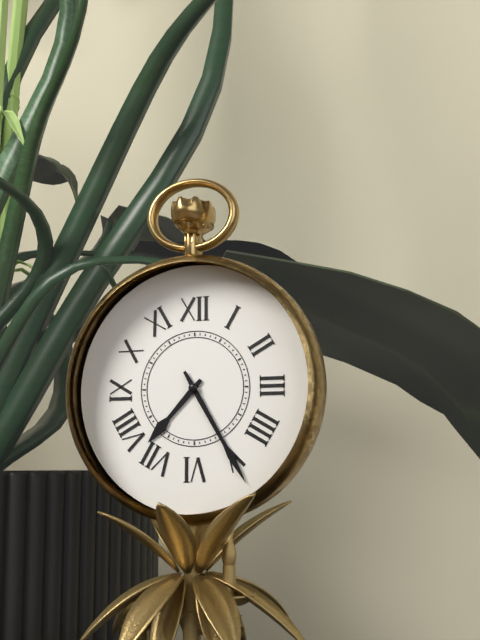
7:25
